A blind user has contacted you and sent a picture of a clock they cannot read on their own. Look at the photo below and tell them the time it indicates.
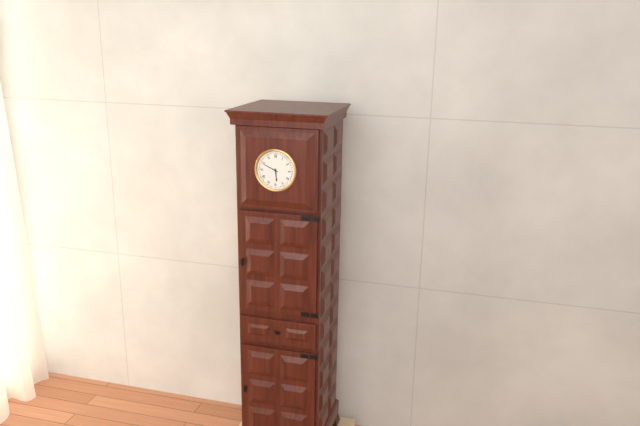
5:49
